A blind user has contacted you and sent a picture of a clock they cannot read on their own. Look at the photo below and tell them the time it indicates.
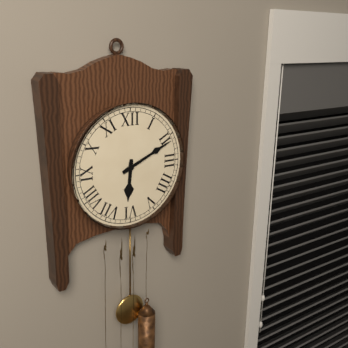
6:11
